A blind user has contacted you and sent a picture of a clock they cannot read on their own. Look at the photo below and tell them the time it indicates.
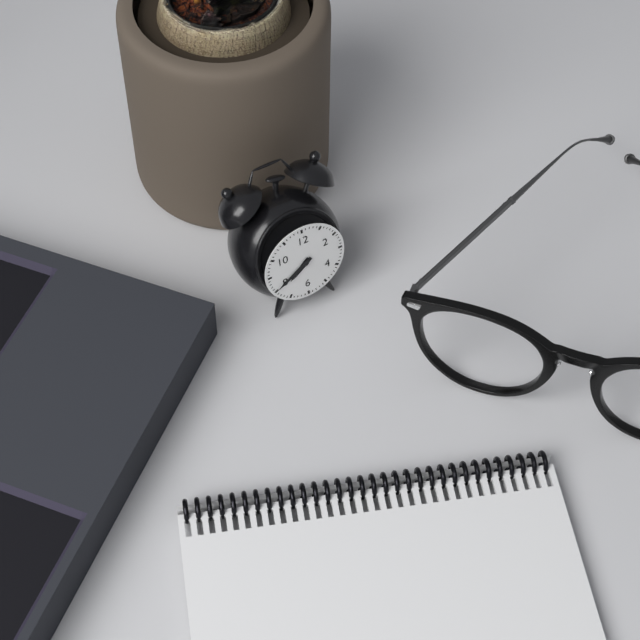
7:40
